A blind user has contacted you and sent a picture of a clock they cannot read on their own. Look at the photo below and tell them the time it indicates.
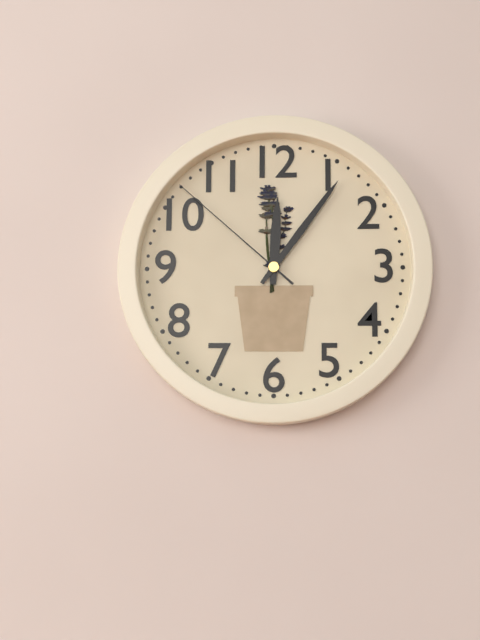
12:06:52
